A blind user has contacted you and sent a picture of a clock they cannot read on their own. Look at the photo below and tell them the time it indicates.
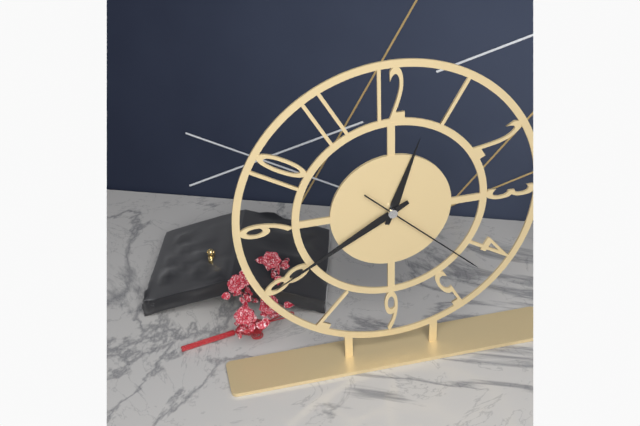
12:40:22
